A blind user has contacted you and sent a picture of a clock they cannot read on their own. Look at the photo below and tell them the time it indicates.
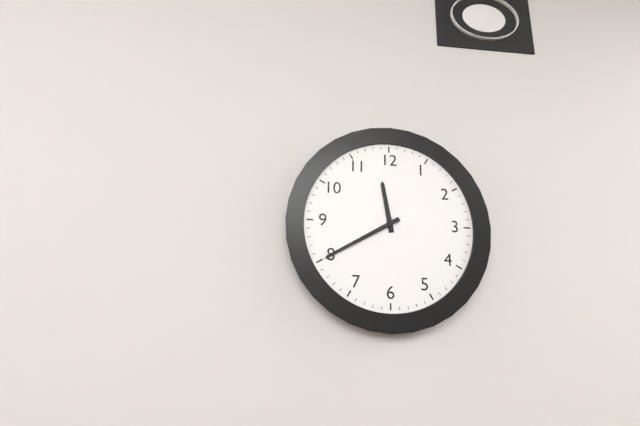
11:40
